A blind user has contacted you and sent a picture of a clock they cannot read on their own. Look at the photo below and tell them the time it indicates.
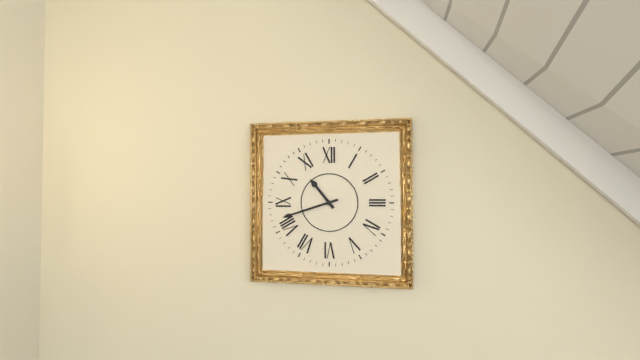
10:42
